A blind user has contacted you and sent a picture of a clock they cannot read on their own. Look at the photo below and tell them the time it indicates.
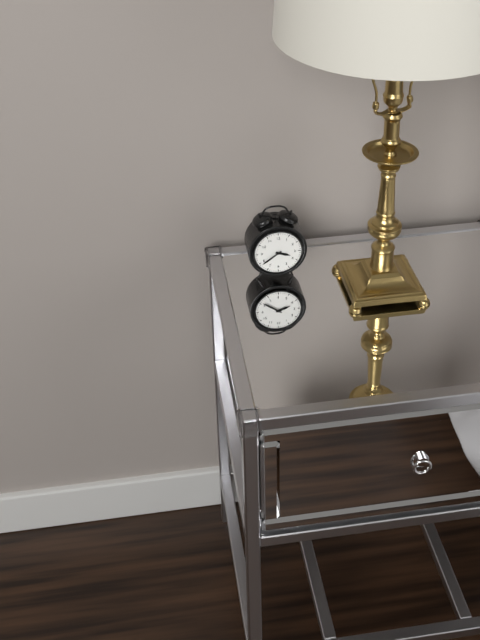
3:39
